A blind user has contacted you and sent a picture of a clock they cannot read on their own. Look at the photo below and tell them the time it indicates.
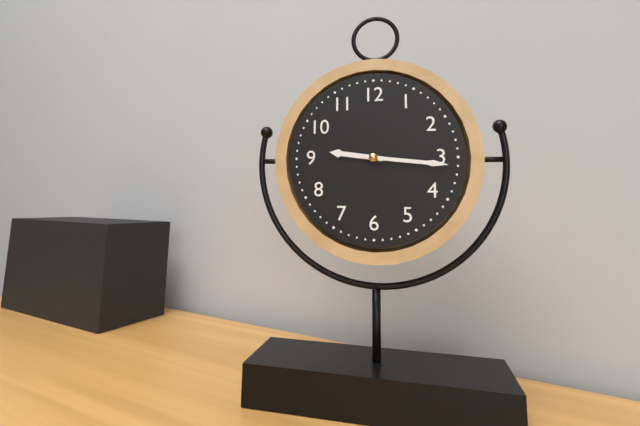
9:16
